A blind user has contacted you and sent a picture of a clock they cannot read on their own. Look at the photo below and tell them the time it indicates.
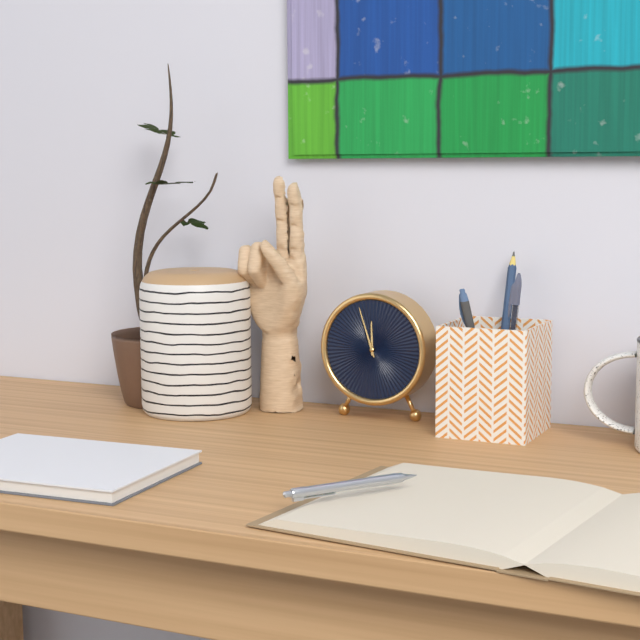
11:57
